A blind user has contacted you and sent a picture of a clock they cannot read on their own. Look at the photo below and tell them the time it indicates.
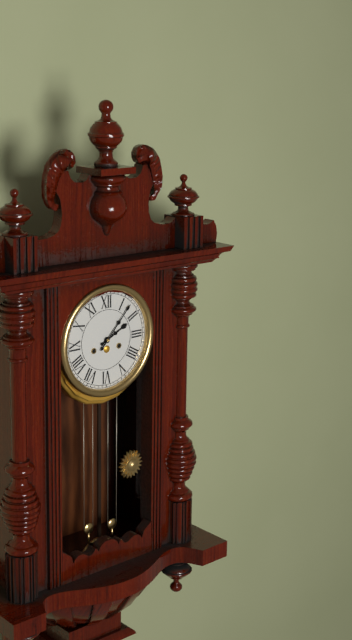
2:07
